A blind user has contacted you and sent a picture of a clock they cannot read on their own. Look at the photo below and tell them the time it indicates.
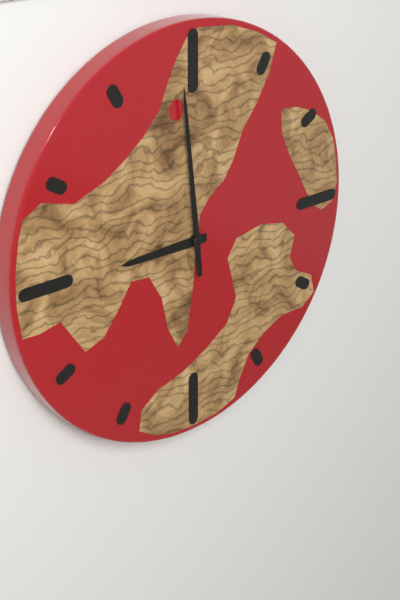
8:59
